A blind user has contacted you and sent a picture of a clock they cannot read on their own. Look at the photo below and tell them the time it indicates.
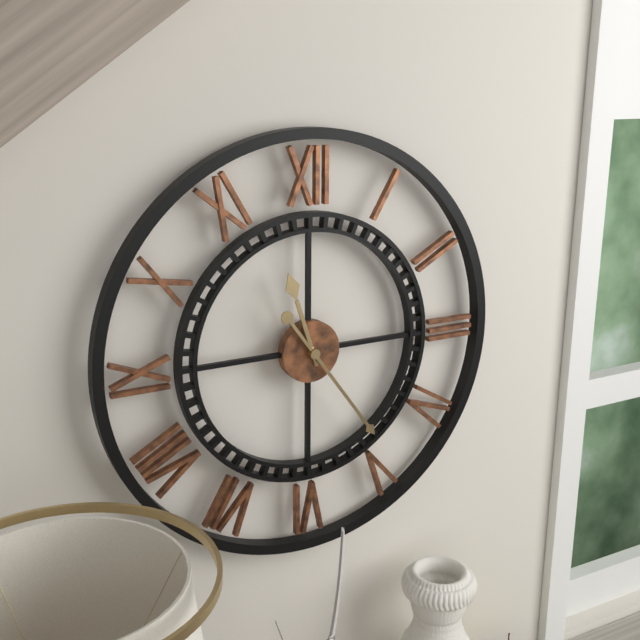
11:24
